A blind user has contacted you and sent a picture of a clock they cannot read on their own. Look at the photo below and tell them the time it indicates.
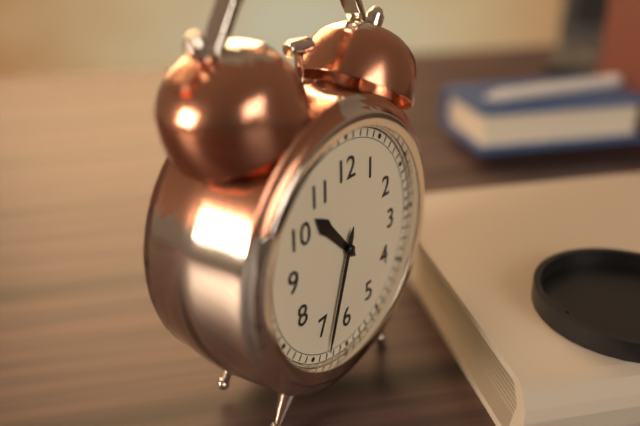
10:33
